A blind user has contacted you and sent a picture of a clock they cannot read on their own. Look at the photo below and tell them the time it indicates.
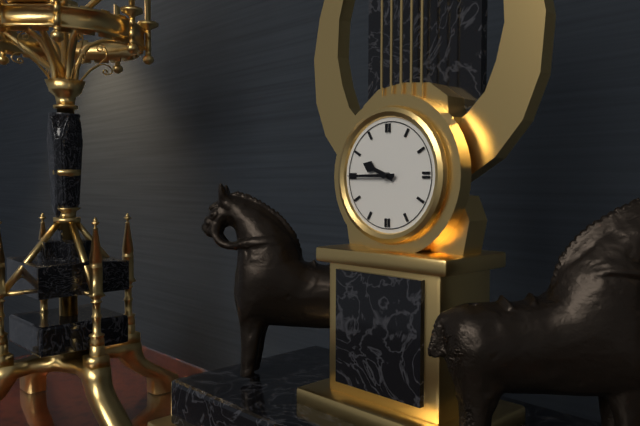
9:45
